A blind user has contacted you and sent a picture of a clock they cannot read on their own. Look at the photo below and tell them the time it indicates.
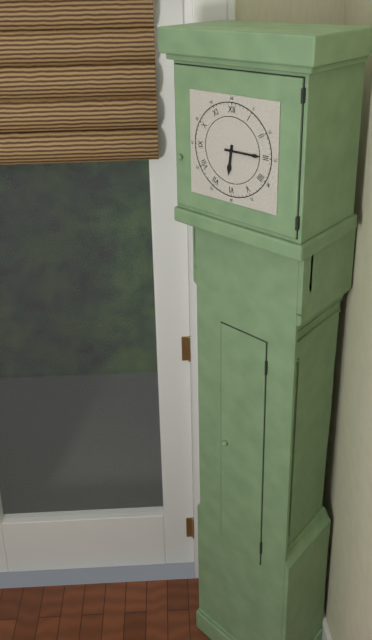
6:15
